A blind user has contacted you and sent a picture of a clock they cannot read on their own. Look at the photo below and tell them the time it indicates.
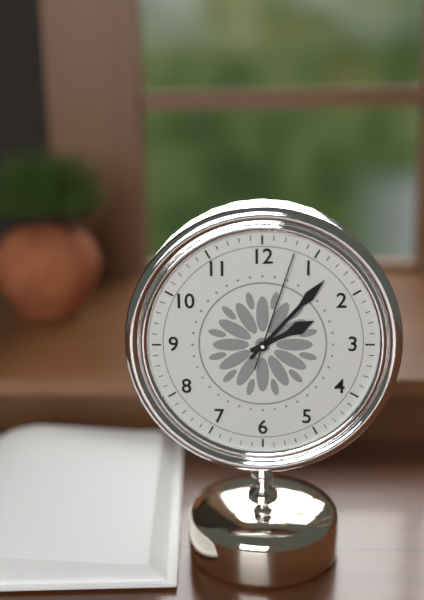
2:07:03
